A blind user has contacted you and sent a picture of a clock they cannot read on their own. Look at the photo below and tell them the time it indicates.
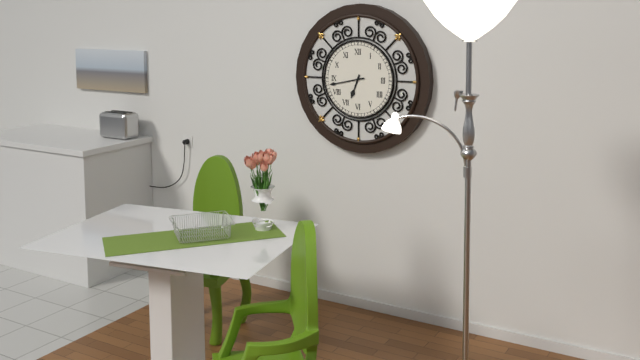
6:43
